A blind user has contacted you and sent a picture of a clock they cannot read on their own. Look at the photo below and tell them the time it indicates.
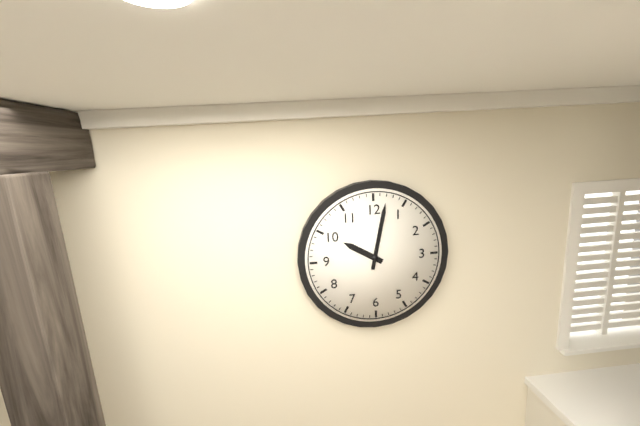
10:02
